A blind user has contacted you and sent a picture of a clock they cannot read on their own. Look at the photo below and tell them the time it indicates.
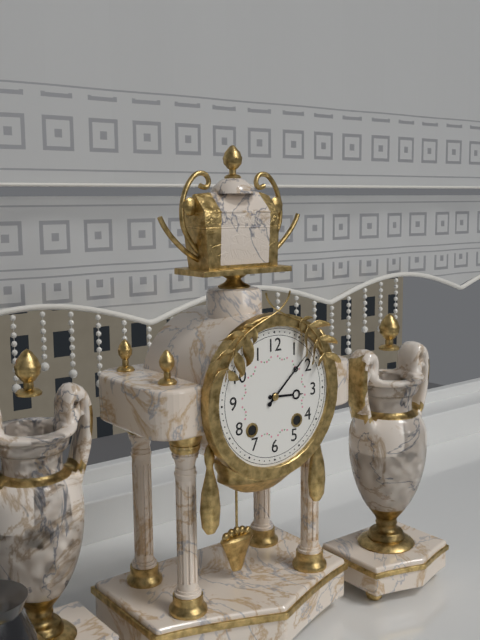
3:08
